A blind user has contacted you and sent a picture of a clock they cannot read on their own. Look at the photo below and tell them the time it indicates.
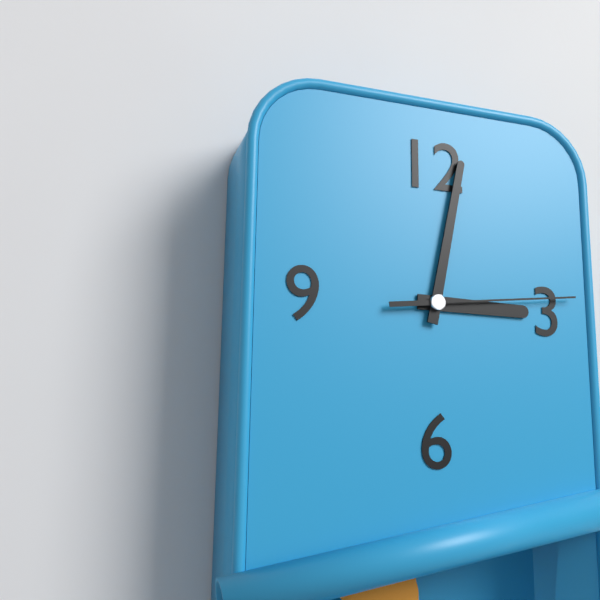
3:02:14
